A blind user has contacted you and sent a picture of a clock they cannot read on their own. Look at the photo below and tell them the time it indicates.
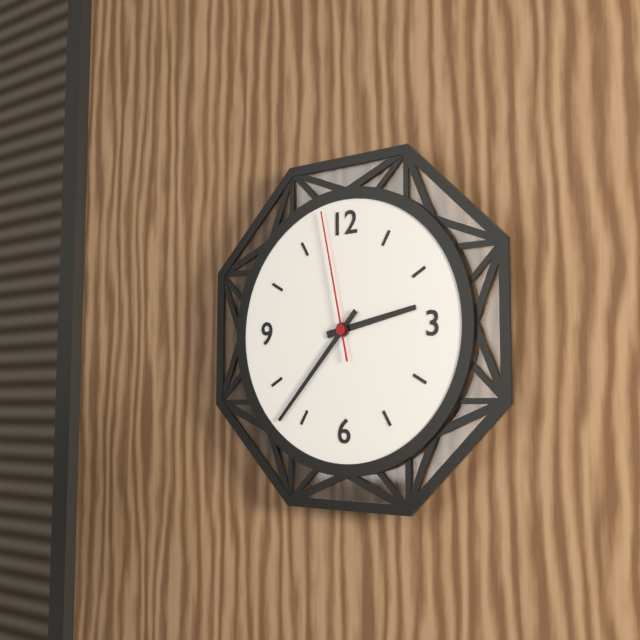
2:37:58
